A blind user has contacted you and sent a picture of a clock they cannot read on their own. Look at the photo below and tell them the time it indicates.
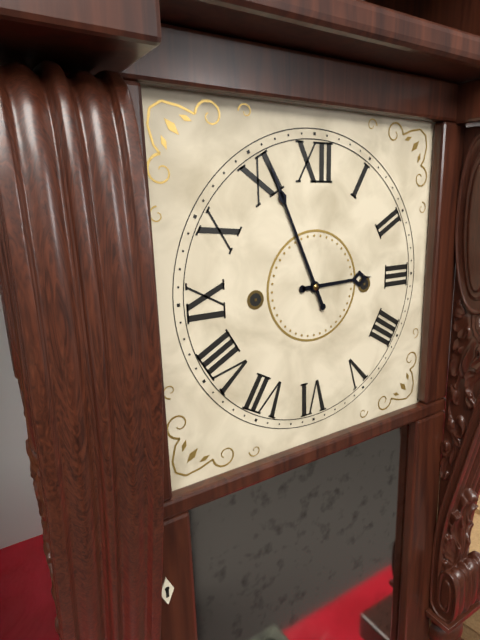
2:56
